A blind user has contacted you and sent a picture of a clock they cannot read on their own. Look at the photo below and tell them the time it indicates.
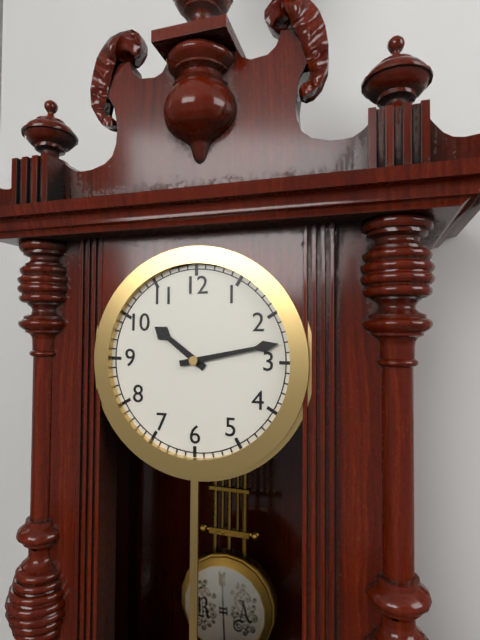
10:13
